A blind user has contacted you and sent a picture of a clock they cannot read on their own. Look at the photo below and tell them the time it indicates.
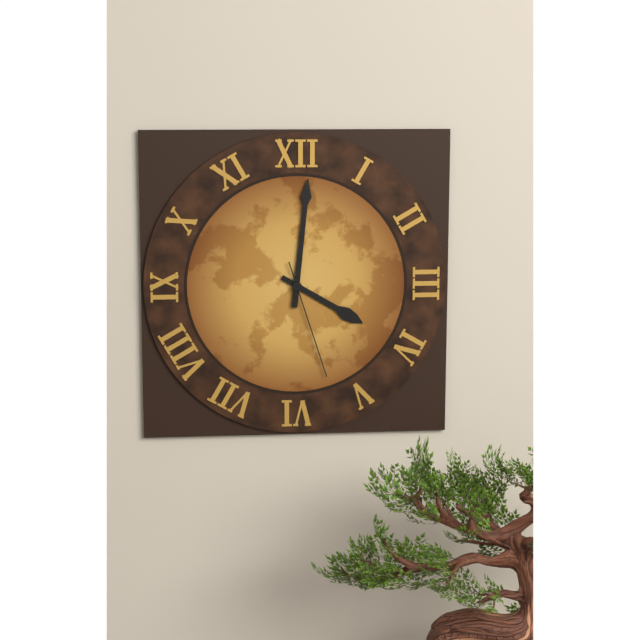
4:01:27
